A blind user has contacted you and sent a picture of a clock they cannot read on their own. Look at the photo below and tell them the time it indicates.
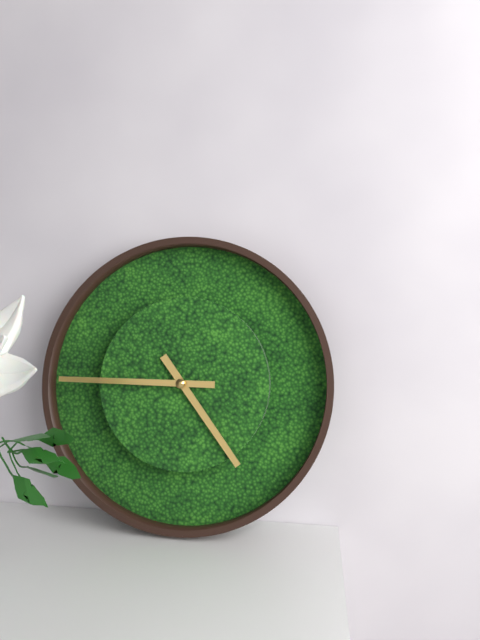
4:45
